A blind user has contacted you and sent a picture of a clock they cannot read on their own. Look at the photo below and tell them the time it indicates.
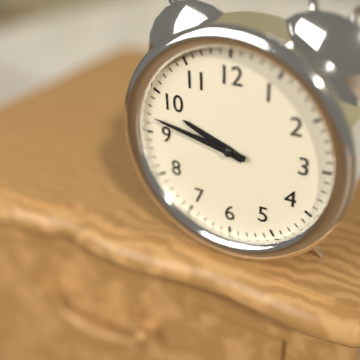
9:47
